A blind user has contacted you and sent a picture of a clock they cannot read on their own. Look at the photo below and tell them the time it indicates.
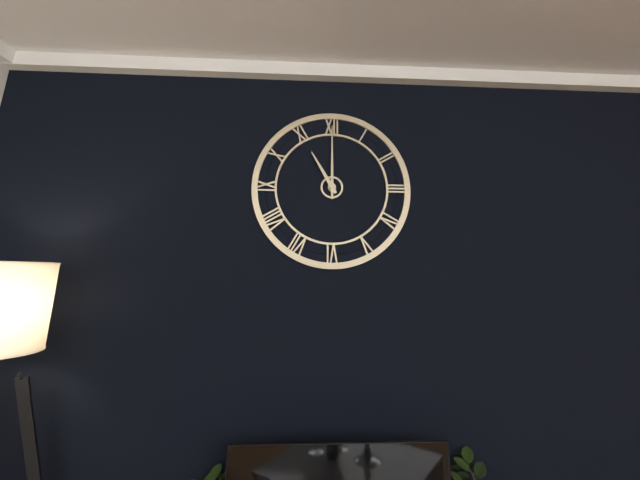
11:00
